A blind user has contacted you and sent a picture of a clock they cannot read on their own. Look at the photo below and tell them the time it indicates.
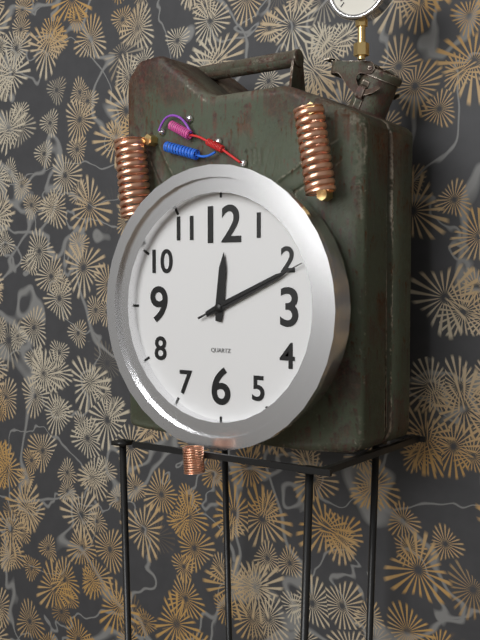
12:11:11
